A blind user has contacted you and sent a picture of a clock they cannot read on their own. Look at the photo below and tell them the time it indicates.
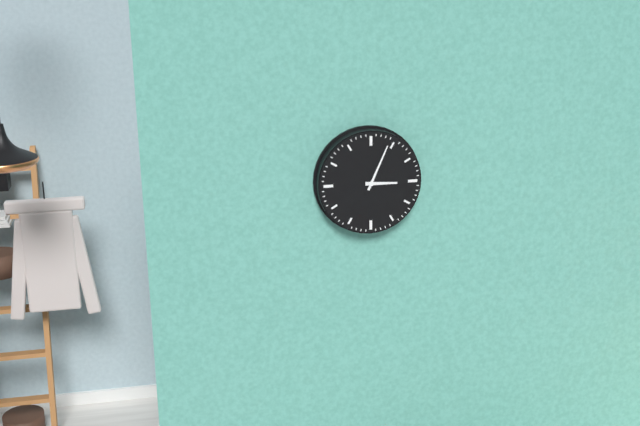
3:04
